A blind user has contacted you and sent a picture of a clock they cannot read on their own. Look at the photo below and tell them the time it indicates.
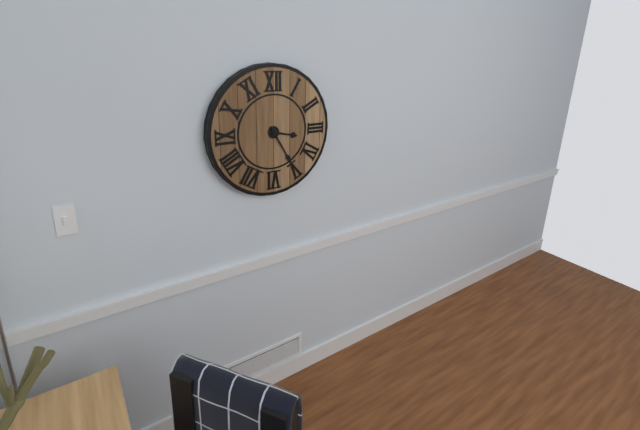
3:25
